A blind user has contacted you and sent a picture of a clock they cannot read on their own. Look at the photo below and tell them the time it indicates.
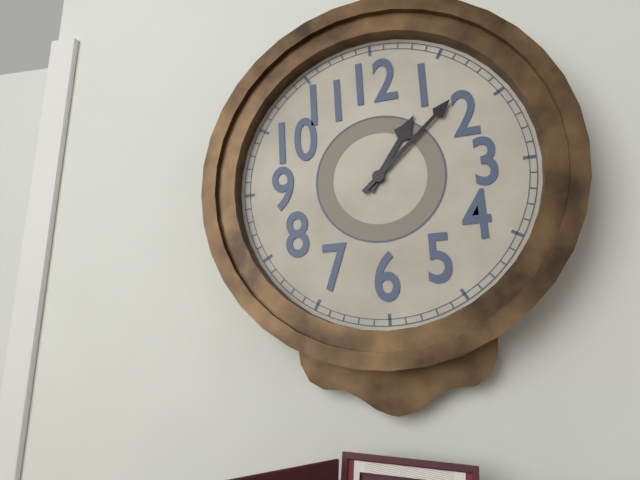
1:08
